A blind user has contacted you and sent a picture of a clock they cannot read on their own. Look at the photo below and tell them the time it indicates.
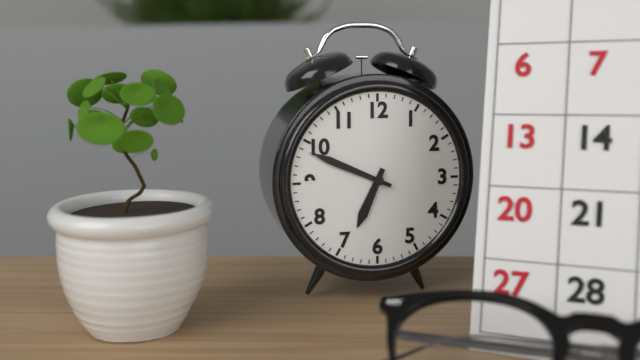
6:49
